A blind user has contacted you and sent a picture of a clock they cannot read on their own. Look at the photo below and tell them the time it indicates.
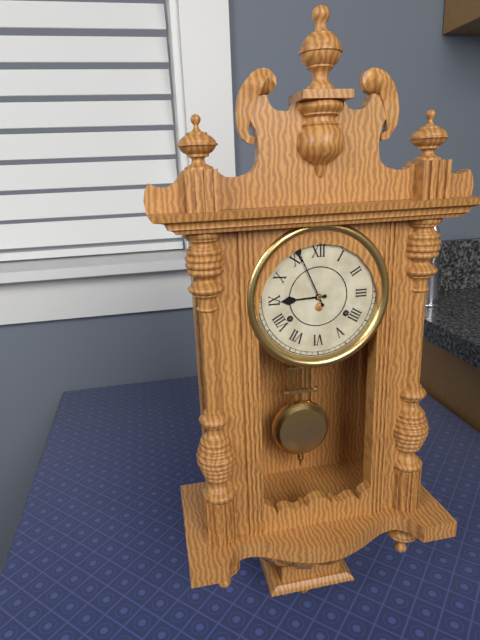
8:56
